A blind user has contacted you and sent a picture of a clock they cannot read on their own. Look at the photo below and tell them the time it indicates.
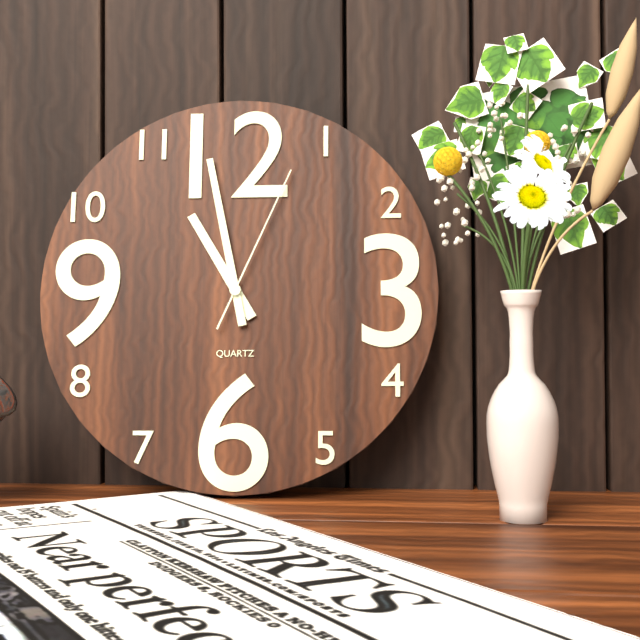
10:58:04
